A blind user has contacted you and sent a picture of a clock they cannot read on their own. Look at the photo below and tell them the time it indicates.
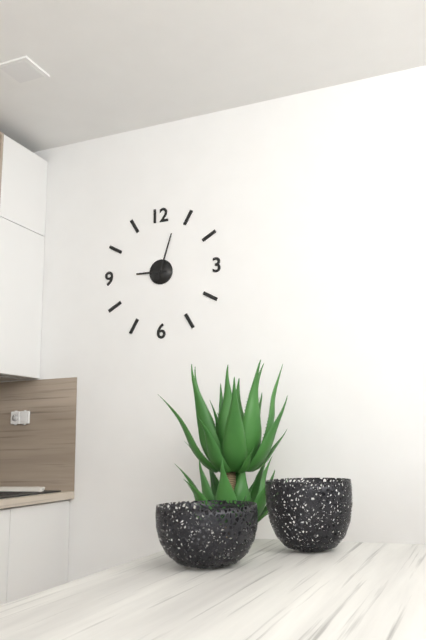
9:03
